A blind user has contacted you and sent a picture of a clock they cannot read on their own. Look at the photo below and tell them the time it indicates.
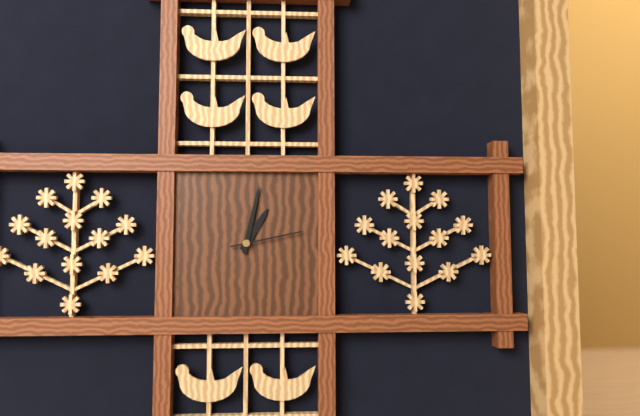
1:02:13
